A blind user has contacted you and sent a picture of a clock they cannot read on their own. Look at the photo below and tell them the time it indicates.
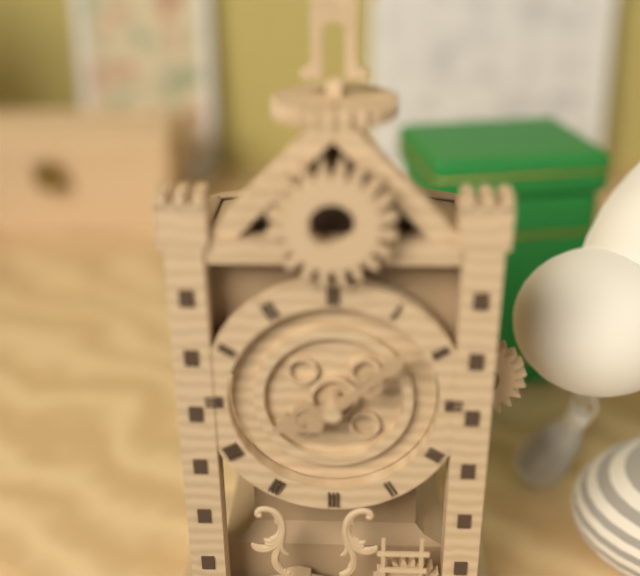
8:08
